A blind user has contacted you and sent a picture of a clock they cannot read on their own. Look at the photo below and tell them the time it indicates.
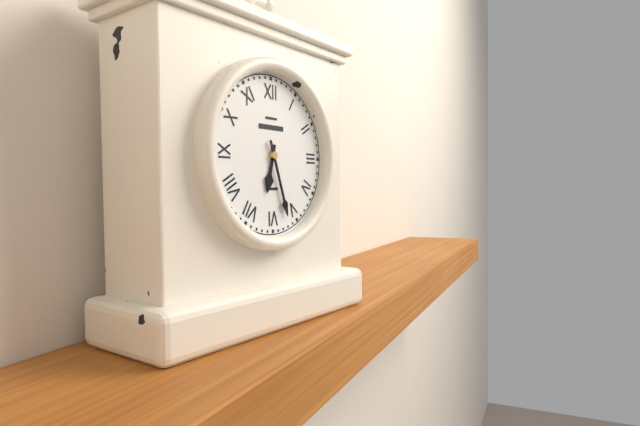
6:27
